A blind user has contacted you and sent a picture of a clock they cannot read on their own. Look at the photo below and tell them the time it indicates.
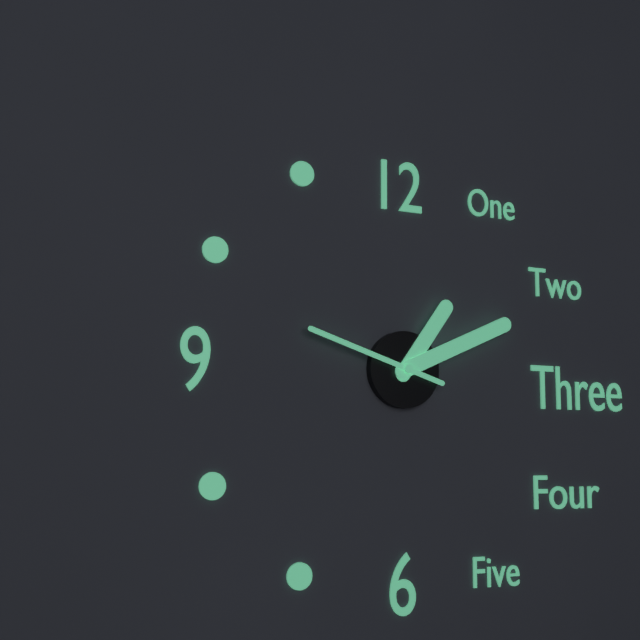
1:11:48
